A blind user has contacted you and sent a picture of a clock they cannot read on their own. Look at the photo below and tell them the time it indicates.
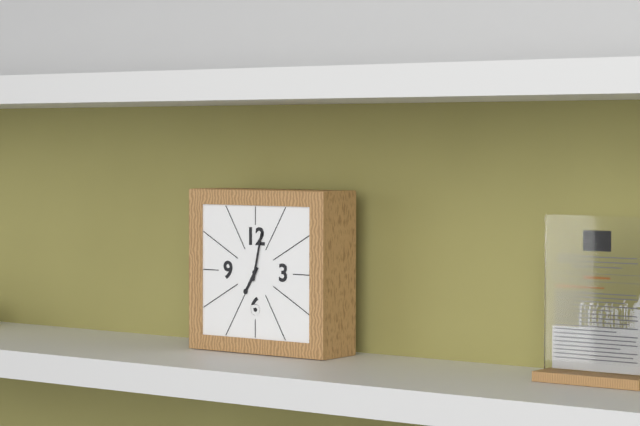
7:02
